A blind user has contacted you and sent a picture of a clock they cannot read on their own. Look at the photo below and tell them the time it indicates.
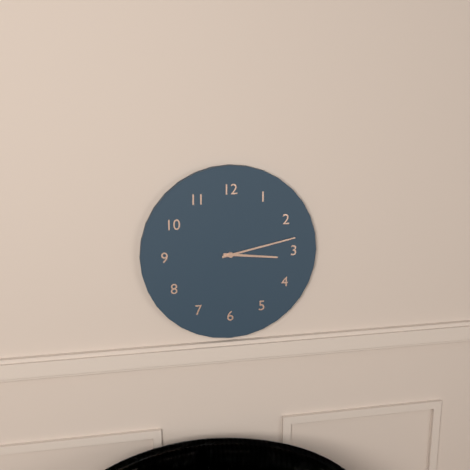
3:13
